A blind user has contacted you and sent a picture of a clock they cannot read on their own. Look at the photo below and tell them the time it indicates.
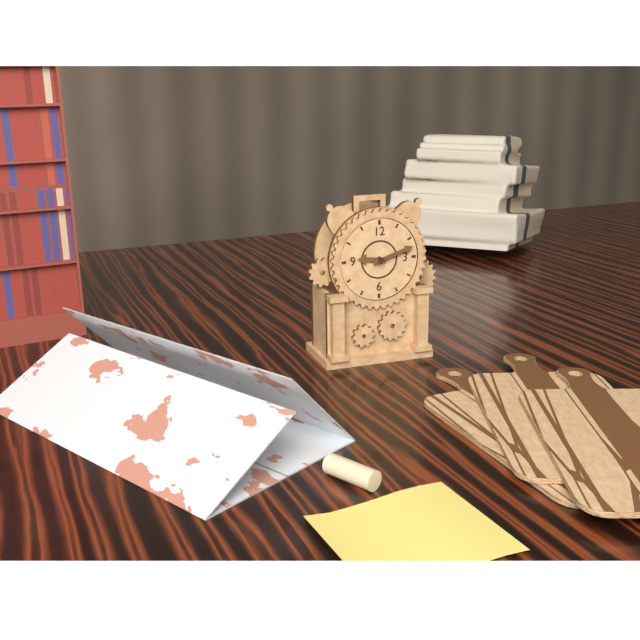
9:12
